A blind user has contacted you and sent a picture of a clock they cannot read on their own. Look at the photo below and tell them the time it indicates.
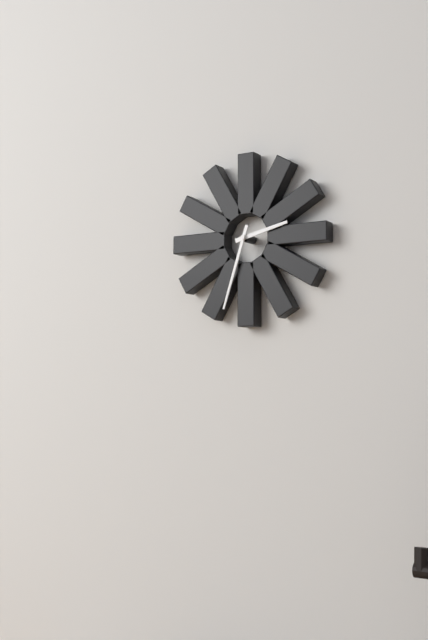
2:33
